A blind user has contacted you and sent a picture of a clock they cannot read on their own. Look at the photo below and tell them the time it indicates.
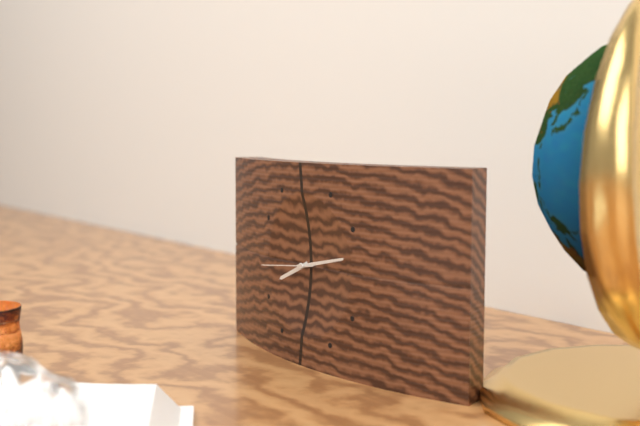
8:13:44
